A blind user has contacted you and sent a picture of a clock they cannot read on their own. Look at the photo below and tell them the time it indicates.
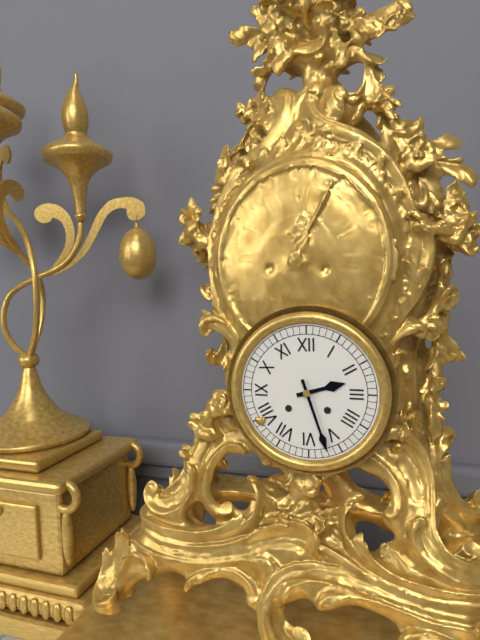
2:27
